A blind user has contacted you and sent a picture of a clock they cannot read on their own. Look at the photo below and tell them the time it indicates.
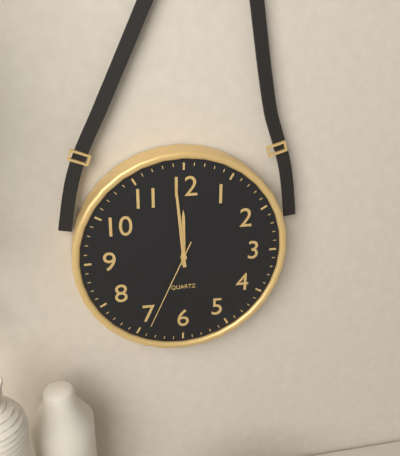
11:59:34
